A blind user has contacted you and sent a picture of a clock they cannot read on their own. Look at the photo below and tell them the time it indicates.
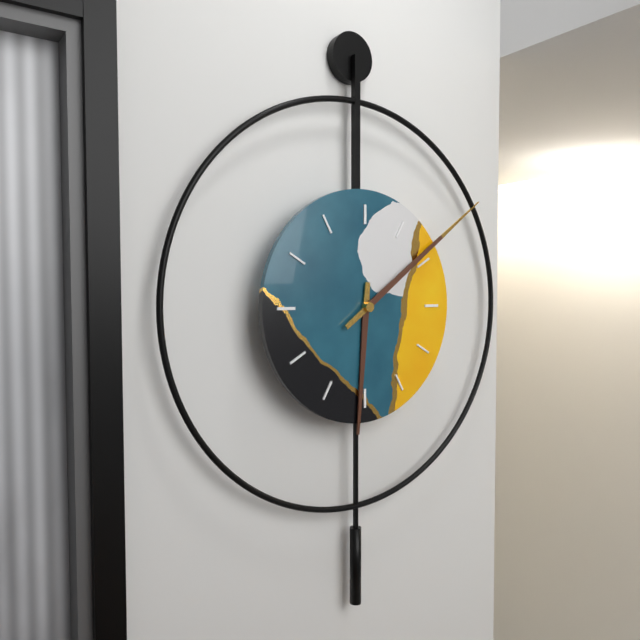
6:09
